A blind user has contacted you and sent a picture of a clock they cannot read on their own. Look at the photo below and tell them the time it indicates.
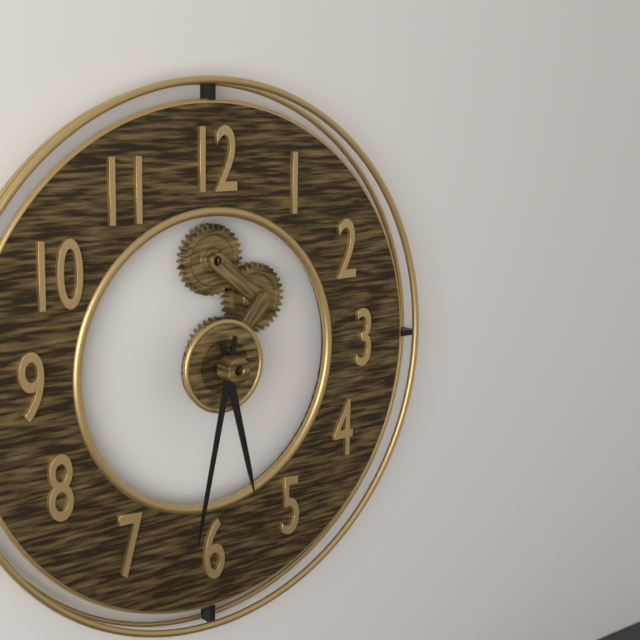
5:32
